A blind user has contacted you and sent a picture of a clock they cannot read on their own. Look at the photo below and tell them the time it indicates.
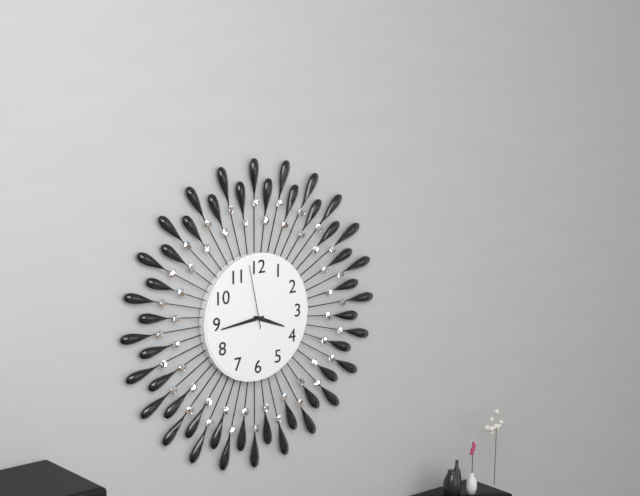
3:44:58
